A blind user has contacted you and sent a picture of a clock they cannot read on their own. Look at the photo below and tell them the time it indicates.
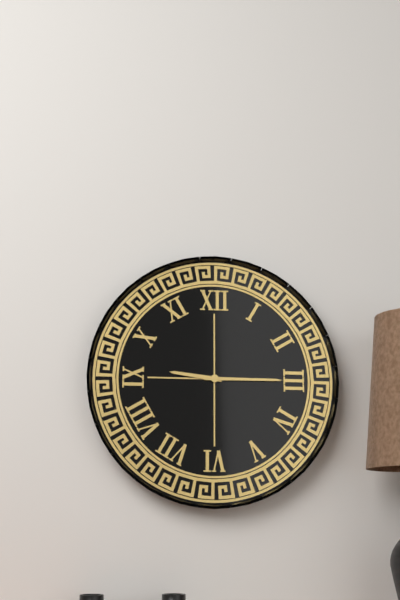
9:15
